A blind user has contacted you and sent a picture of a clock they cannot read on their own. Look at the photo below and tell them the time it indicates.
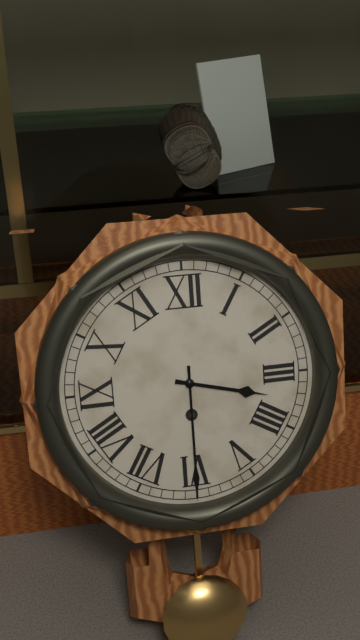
3:30
